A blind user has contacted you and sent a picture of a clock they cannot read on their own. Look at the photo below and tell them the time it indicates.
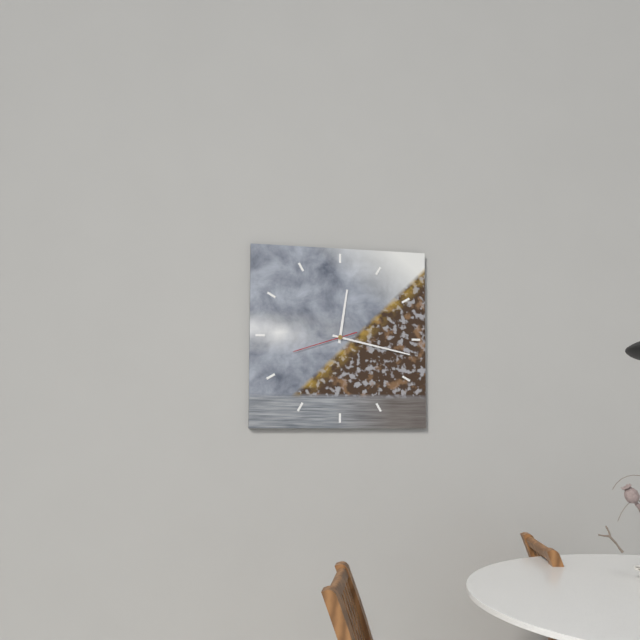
12:17:42
